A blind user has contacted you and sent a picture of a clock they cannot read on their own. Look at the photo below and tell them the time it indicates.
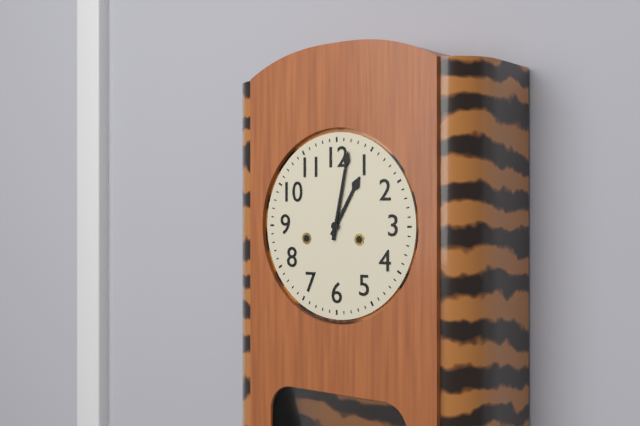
1:02
